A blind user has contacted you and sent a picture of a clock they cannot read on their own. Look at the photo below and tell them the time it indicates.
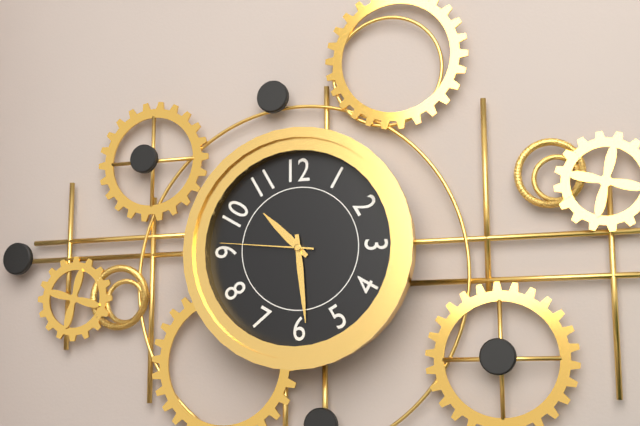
10:29:46
